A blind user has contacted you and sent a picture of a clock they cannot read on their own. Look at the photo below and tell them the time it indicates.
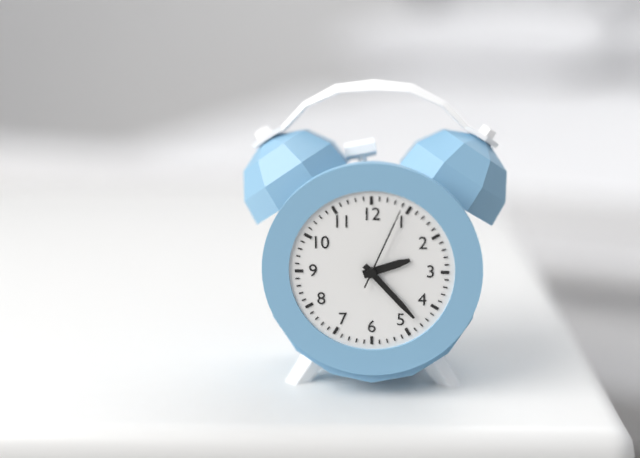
2:23:04
